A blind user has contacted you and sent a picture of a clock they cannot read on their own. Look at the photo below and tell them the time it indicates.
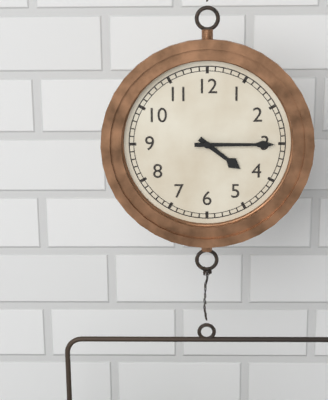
4:15
